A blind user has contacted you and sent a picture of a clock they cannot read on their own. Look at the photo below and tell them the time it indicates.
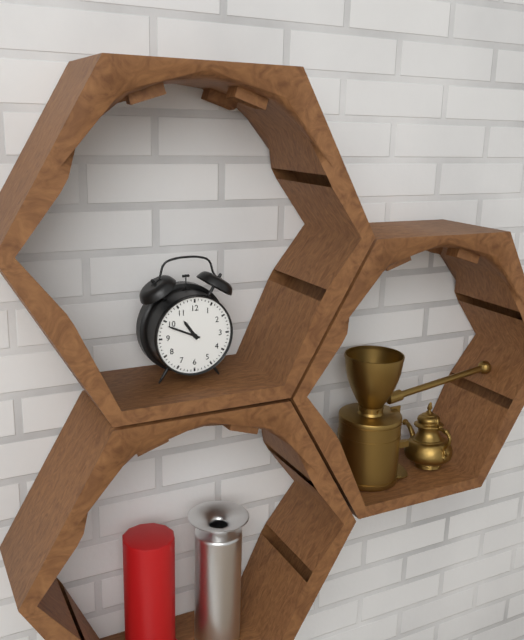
10:49
